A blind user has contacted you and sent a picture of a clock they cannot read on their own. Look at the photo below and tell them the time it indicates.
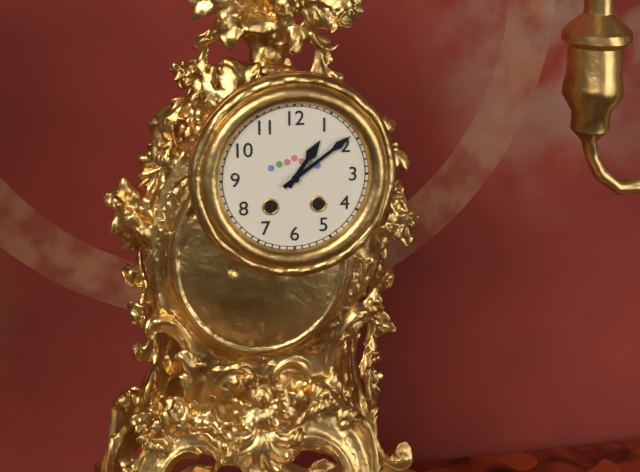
1:09
